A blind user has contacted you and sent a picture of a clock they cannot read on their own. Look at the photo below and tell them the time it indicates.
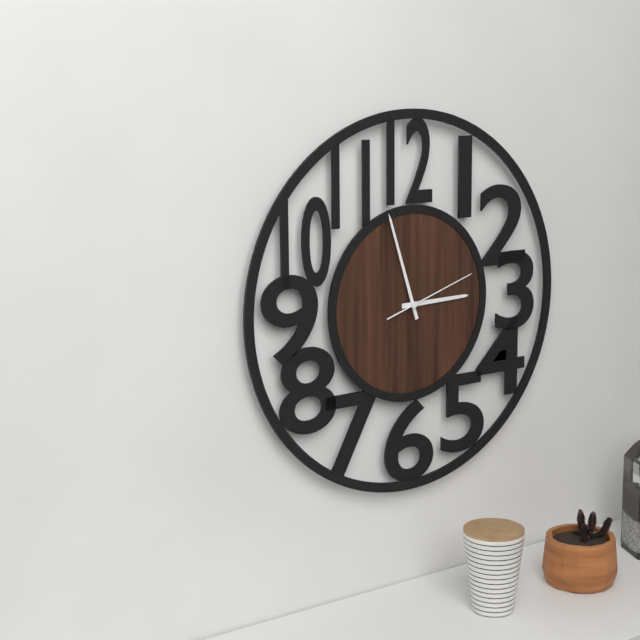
2:57:12
